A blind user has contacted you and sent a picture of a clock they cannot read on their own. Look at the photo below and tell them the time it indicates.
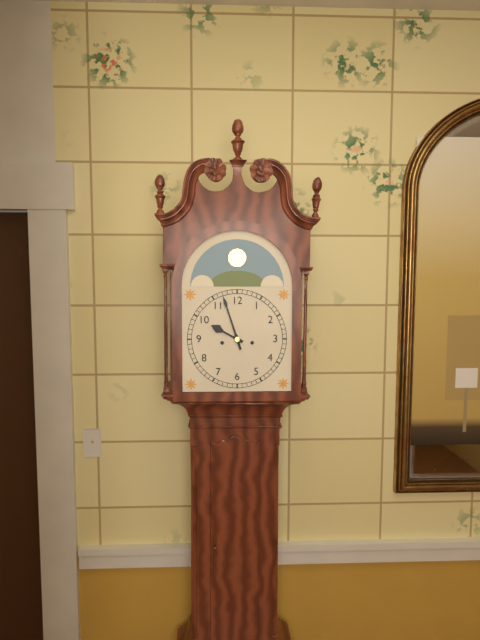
9:57
